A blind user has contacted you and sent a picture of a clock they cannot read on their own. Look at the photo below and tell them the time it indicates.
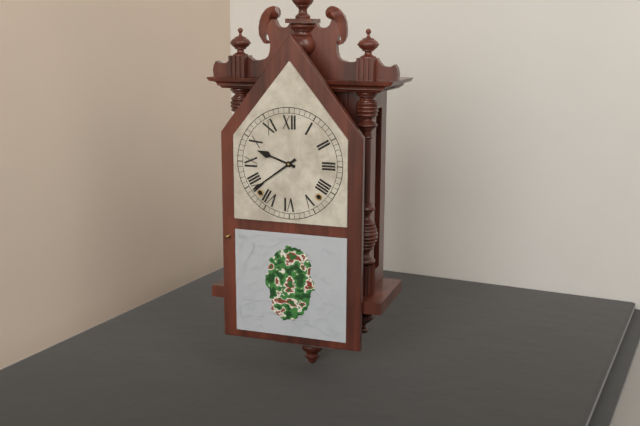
9:39
